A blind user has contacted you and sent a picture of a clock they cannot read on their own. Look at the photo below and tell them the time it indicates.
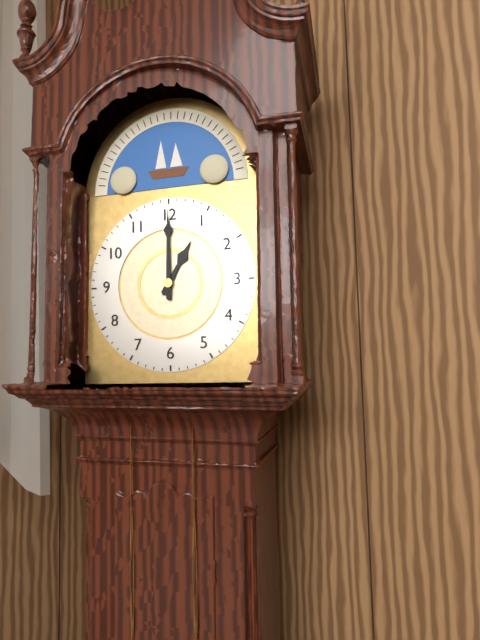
1:00
